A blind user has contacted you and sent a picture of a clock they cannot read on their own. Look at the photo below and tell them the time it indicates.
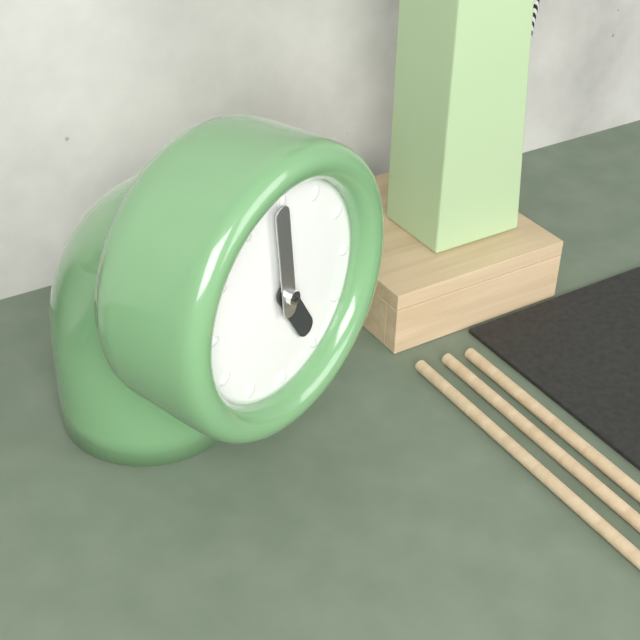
4:59
